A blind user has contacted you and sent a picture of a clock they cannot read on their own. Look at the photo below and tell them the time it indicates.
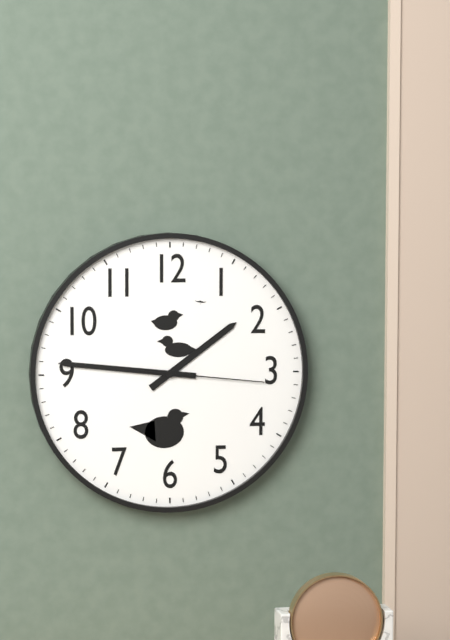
1:46:16
